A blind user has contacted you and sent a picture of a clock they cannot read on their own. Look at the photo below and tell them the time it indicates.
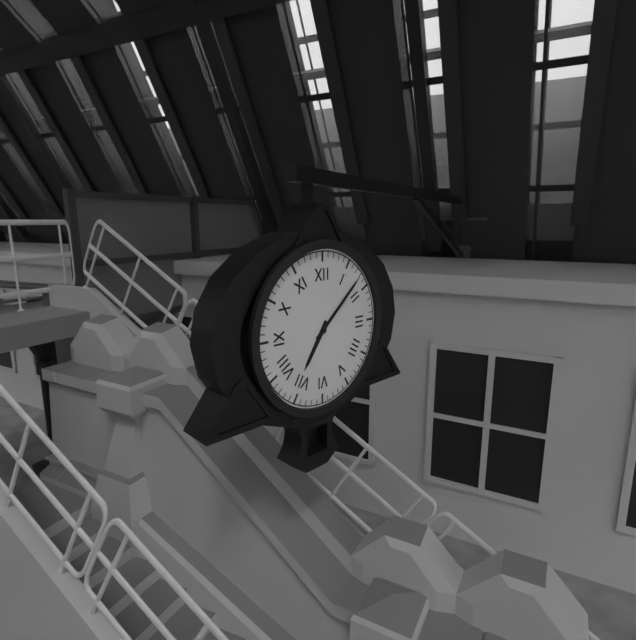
7:08
